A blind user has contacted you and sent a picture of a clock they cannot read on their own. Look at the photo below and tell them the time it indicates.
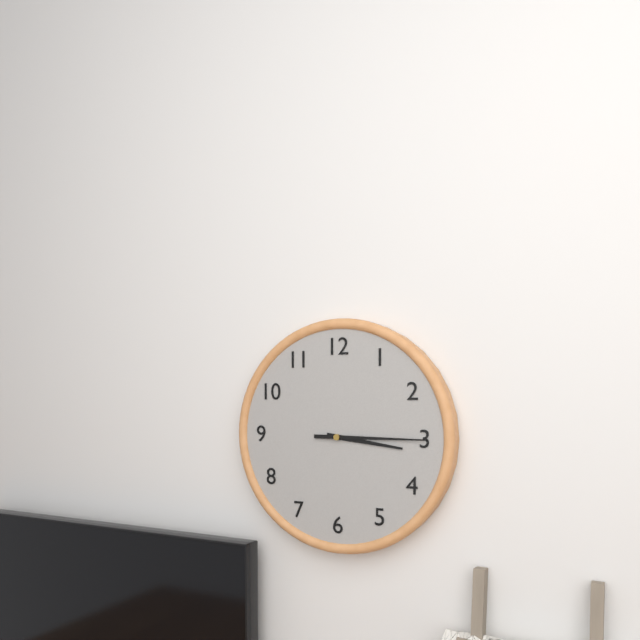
3:15
